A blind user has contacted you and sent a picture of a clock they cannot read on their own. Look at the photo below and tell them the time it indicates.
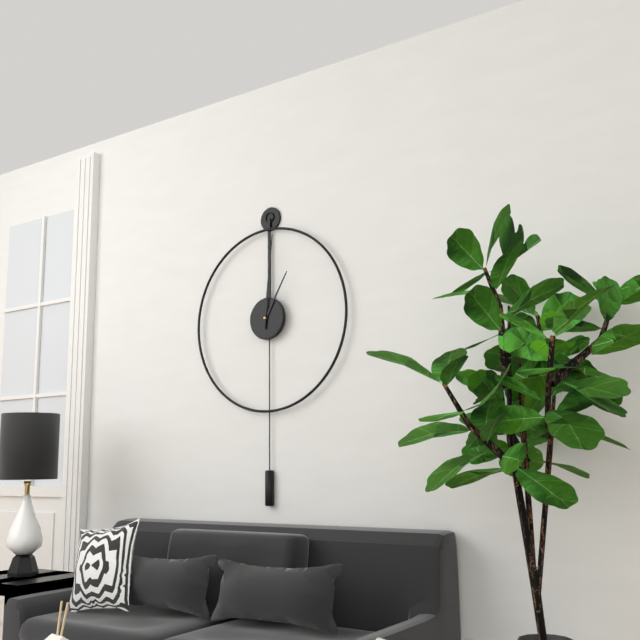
1:01
